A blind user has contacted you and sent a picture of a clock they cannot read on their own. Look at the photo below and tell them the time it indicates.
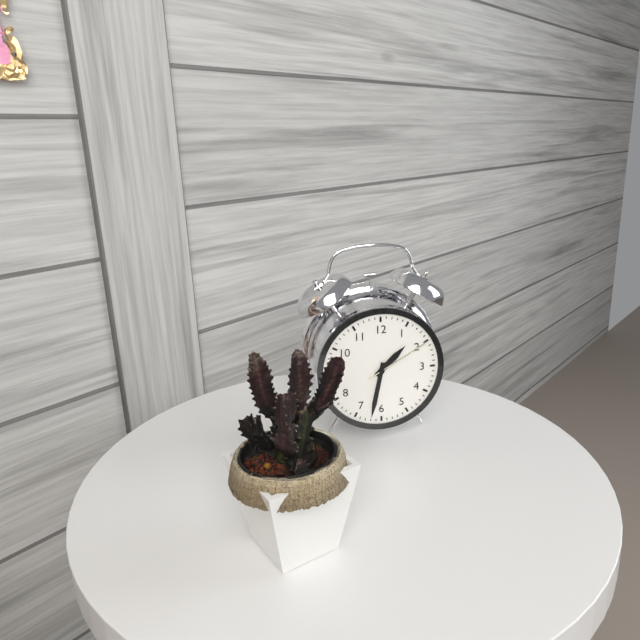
1:32:10
